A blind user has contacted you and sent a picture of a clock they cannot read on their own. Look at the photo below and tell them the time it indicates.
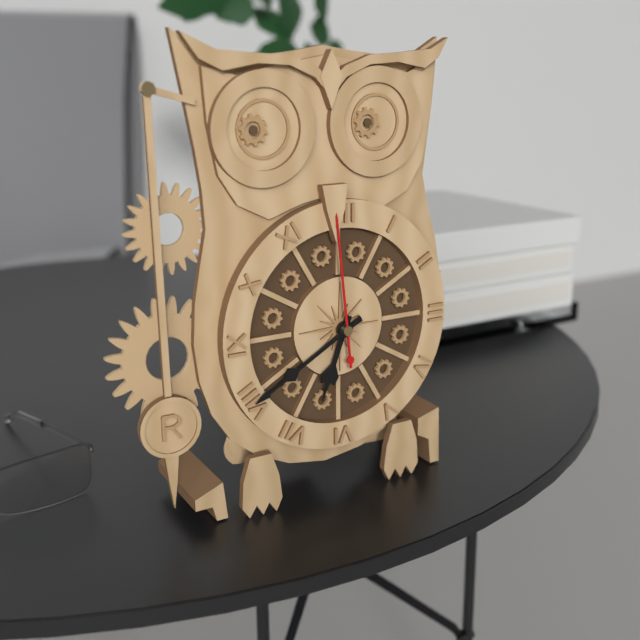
6:40:59
